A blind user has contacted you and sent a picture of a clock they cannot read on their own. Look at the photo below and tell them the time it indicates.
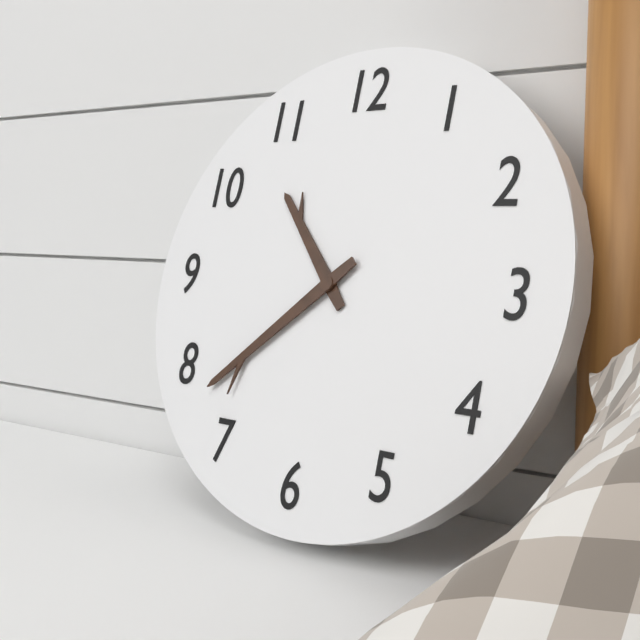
10:38
